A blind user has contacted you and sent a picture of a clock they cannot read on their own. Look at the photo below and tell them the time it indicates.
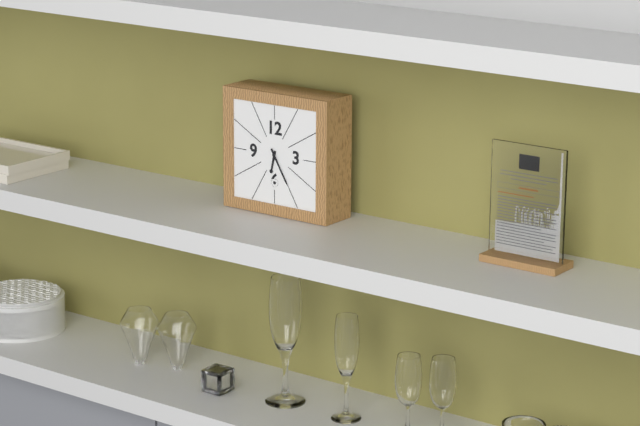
6:25
